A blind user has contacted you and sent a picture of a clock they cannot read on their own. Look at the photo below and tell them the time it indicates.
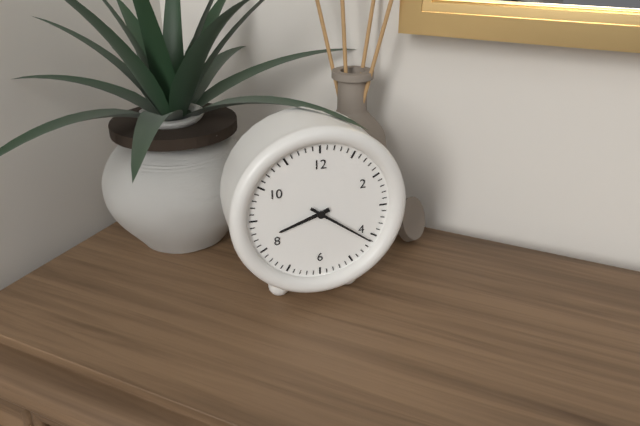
8:21
